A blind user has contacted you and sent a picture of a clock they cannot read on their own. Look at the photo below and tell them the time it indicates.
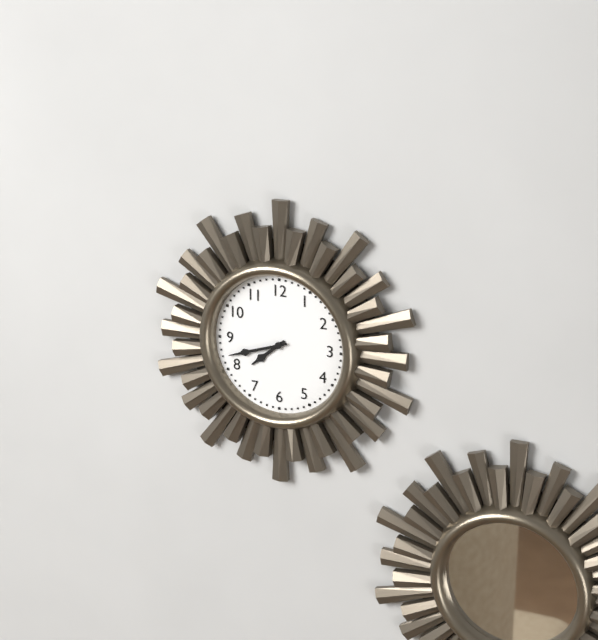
7:42
